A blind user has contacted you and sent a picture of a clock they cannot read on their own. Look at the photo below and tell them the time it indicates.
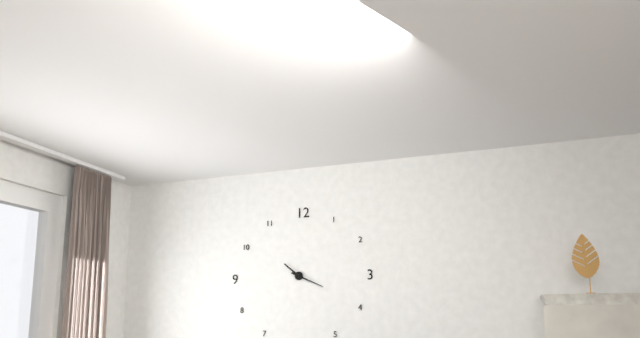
10:19
